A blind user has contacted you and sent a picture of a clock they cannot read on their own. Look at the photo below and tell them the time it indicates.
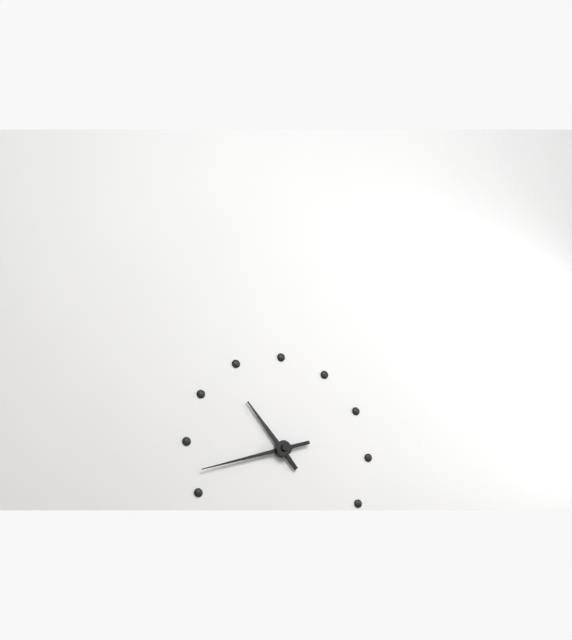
10:42
